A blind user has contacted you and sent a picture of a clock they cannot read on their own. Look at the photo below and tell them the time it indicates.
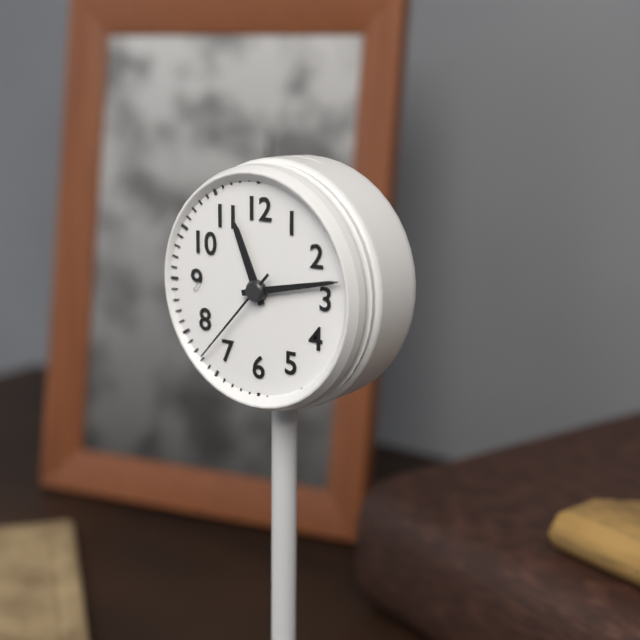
11:13:37
